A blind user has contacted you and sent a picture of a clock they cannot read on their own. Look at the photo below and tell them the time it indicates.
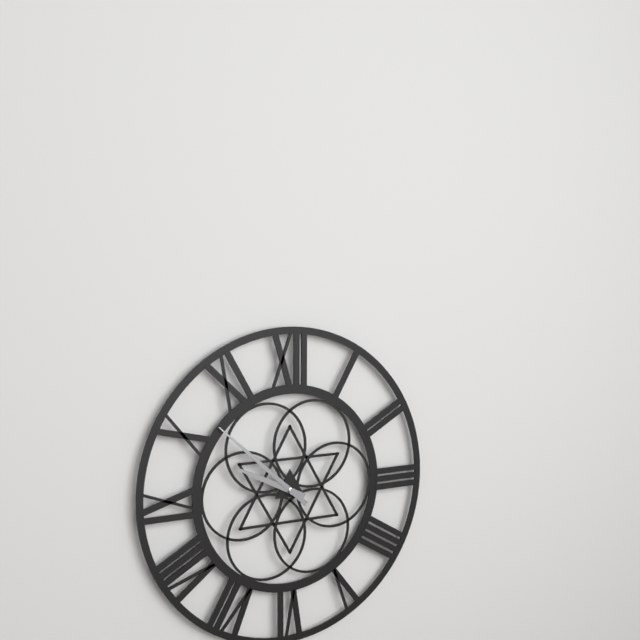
9:52
